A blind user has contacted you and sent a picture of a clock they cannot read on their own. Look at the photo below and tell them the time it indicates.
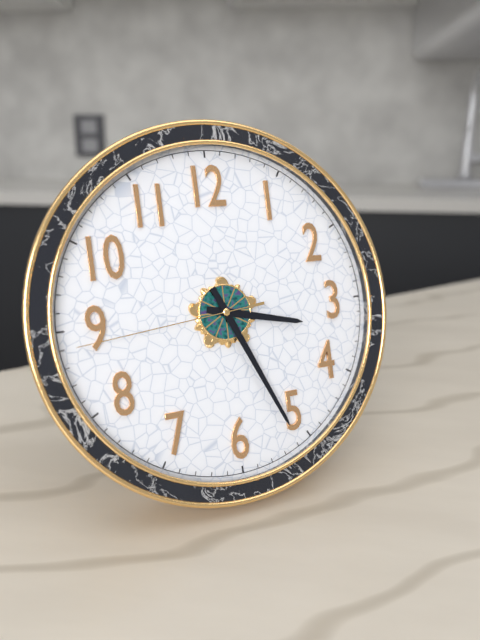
3:26:44
